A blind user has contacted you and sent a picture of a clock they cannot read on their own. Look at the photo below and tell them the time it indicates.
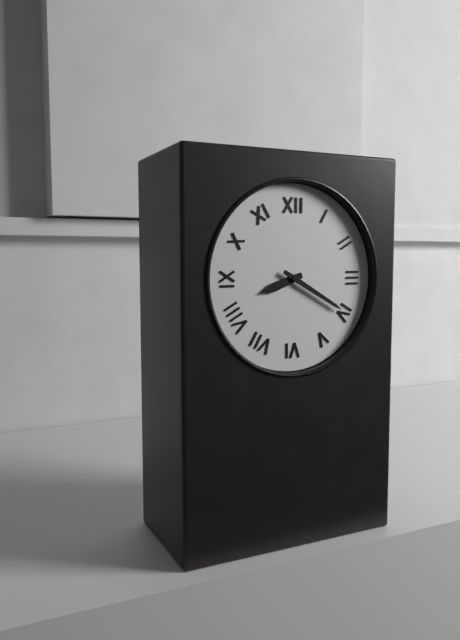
8:20
